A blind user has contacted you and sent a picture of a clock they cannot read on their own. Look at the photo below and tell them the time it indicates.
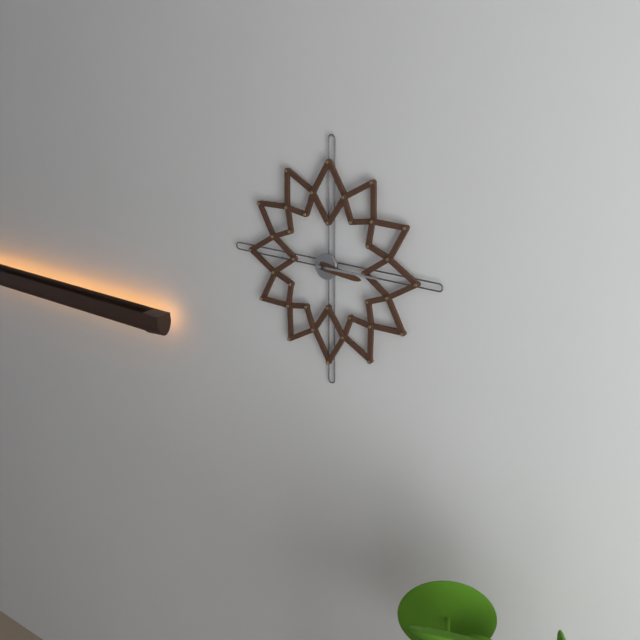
3:15
